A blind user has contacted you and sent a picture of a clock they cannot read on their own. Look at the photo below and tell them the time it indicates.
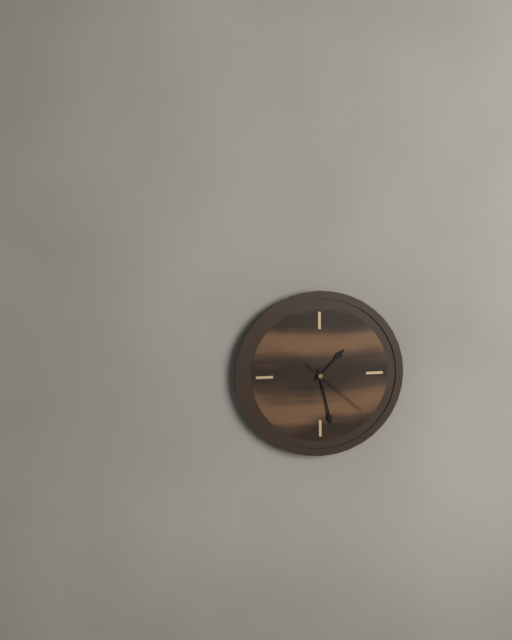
1:28:22
